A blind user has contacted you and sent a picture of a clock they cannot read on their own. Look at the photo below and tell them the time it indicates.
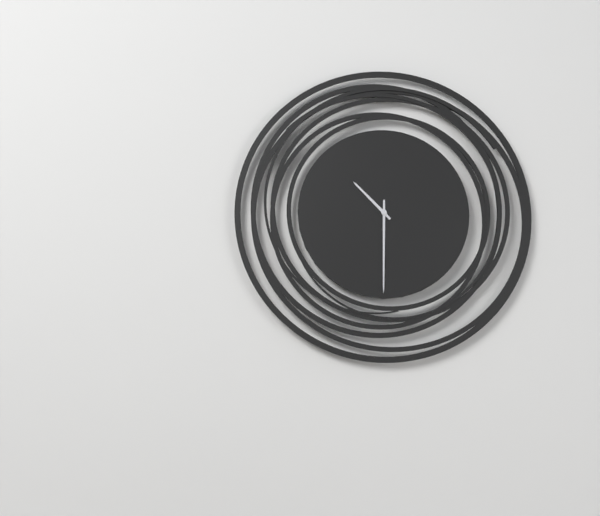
10:30
